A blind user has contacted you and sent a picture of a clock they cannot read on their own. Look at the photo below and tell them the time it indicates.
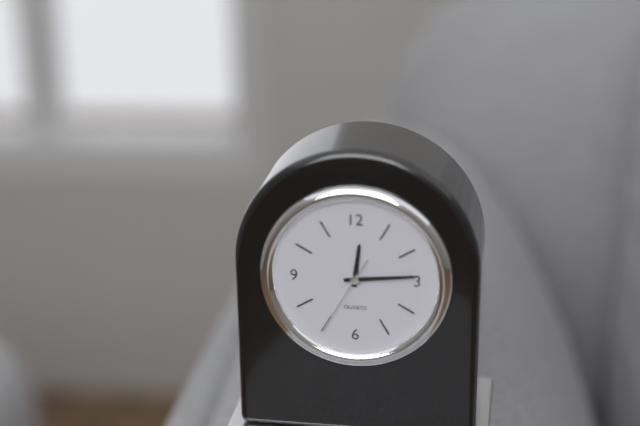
12:14:35
